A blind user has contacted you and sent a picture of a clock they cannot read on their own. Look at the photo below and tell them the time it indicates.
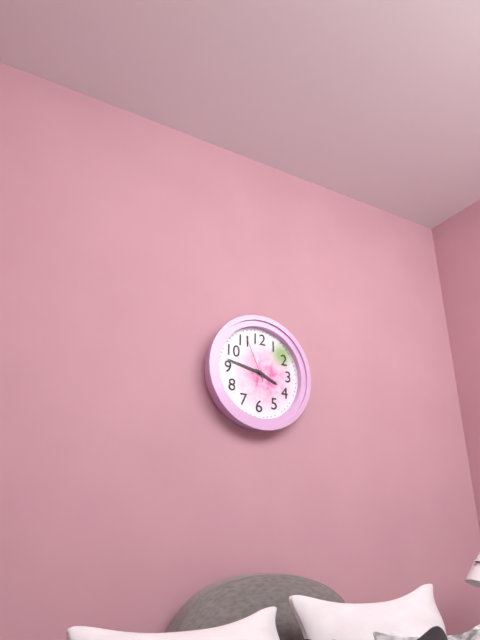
3:47
